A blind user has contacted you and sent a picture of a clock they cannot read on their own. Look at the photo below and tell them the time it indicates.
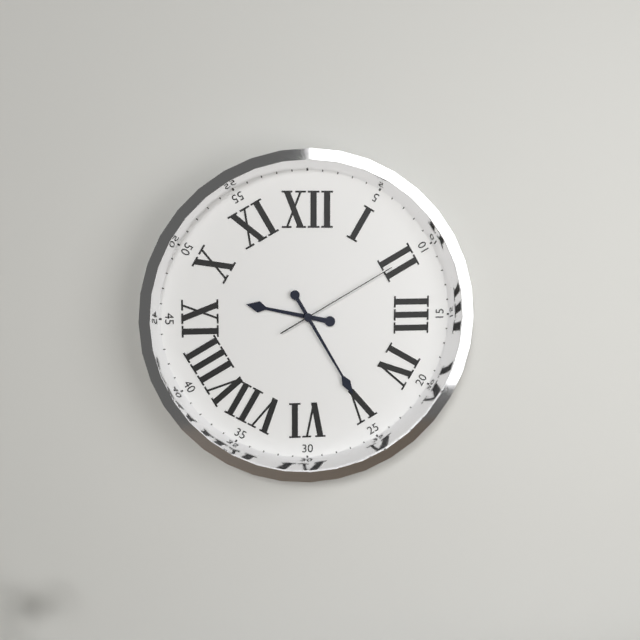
9:25:10
